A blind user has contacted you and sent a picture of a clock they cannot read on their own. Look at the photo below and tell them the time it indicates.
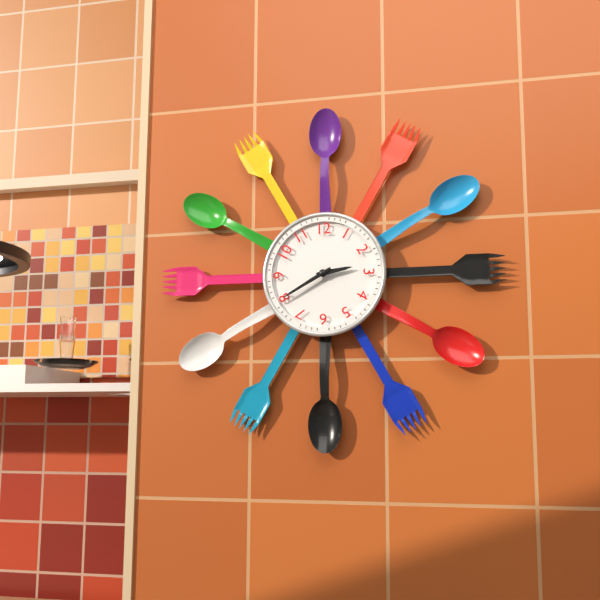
2:40
